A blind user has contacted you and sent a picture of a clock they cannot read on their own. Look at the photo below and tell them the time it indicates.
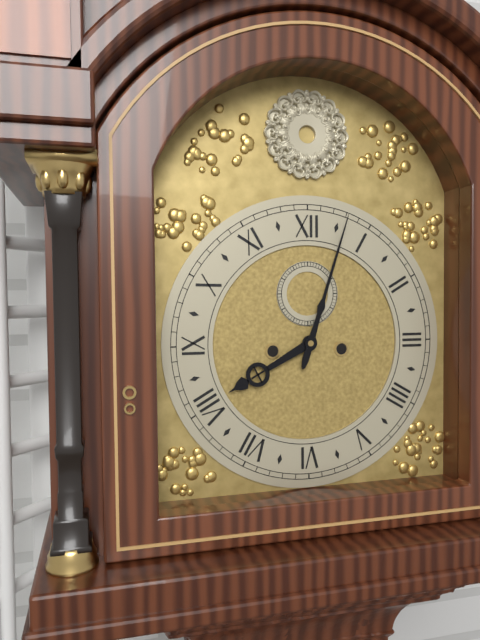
8:03
